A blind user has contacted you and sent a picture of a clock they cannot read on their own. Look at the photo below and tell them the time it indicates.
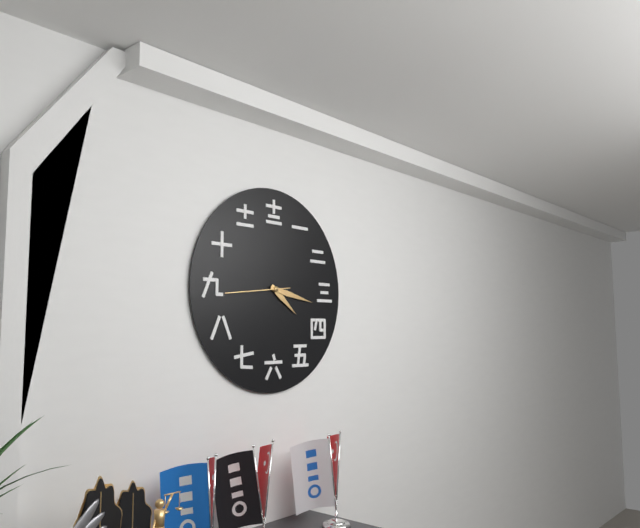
4:17:44
